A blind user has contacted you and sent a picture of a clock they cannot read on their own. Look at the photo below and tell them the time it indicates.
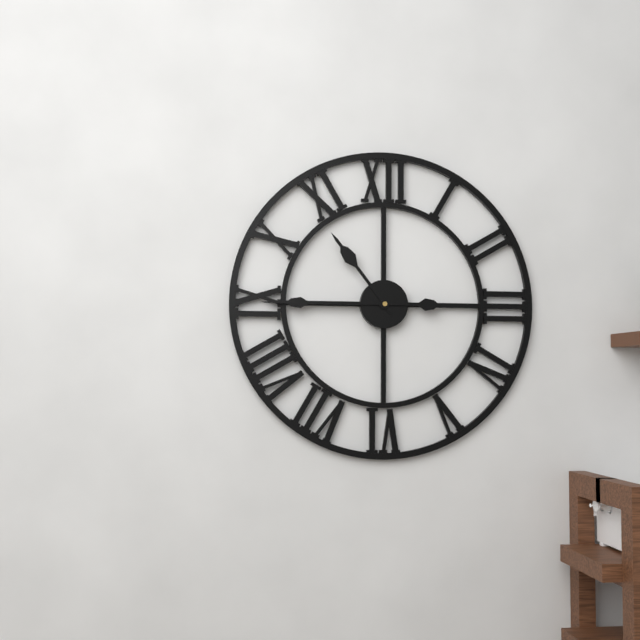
10:45
